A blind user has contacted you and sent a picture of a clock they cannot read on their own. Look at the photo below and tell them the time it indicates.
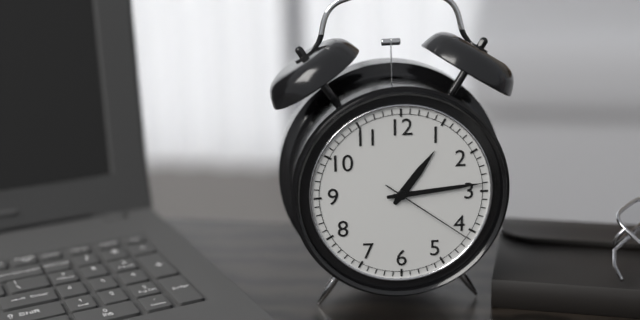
1:14:21
